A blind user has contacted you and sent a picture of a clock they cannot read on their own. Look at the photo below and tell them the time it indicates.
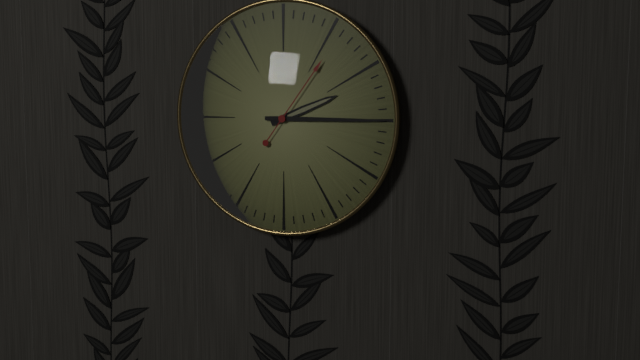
2:15:06
